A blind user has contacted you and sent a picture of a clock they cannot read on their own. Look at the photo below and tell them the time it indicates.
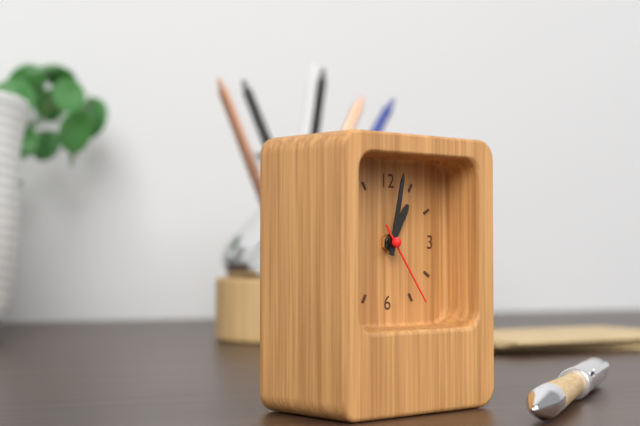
1:02:24
